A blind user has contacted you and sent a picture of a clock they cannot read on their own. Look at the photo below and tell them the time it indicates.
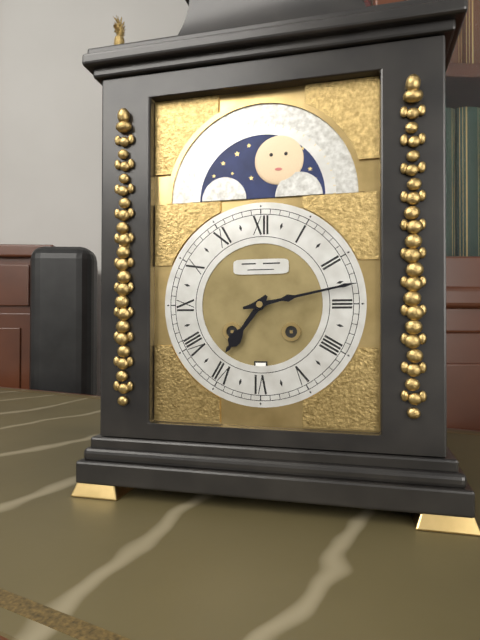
7:13
